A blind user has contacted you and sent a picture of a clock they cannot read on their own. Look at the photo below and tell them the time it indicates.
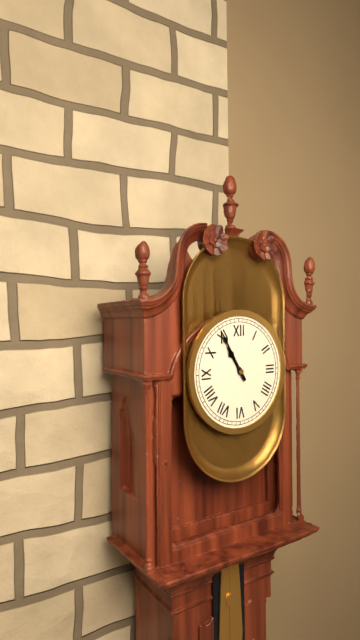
10:55
